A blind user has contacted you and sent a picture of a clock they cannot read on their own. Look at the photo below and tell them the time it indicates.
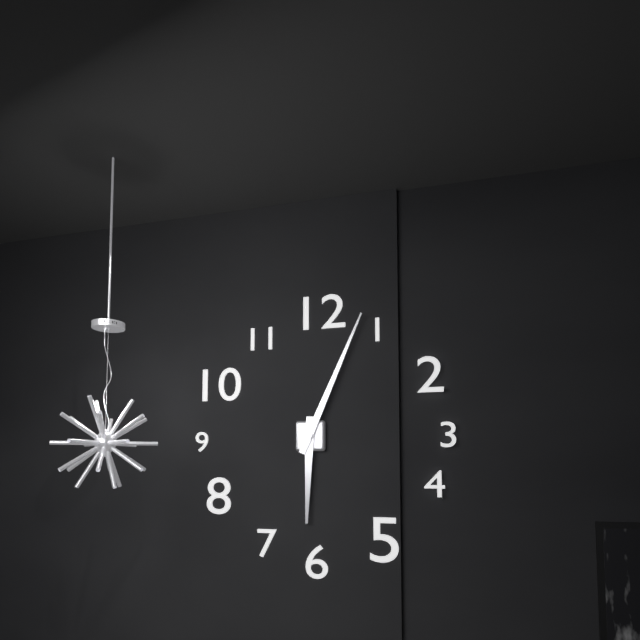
6:04
